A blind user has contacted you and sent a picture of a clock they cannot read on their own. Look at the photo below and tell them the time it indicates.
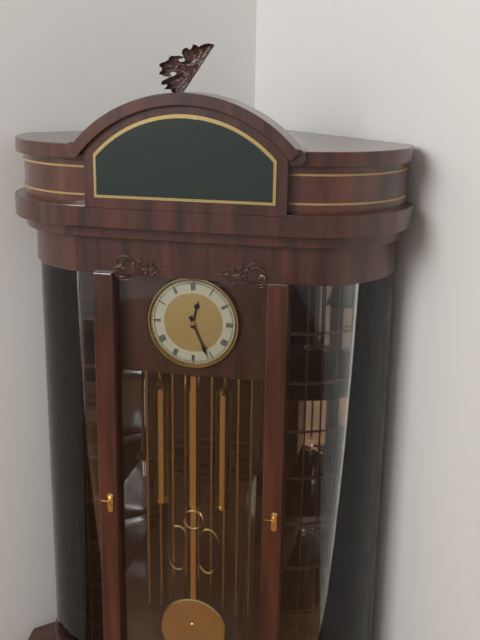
12:26
